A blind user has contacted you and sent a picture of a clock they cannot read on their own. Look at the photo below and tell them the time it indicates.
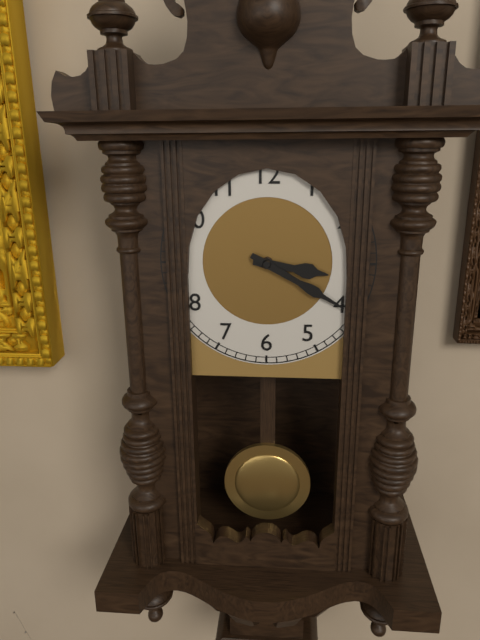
3:20
